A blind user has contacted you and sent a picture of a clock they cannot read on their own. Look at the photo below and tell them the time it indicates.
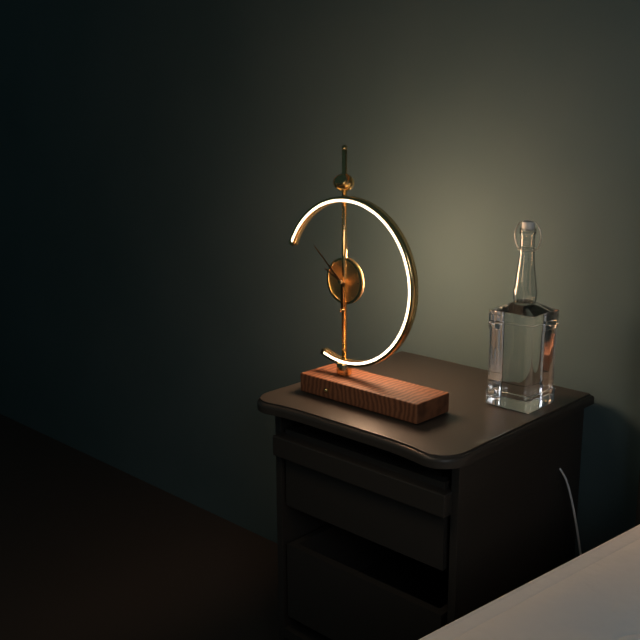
9:52
